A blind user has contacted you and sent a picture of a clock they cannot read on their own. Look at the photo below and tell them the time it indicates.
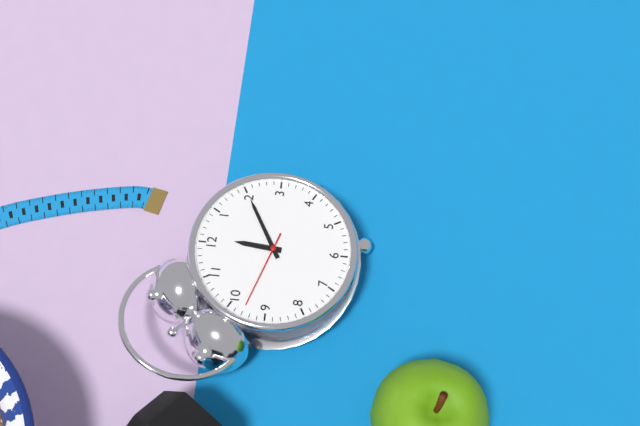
12:10:48
